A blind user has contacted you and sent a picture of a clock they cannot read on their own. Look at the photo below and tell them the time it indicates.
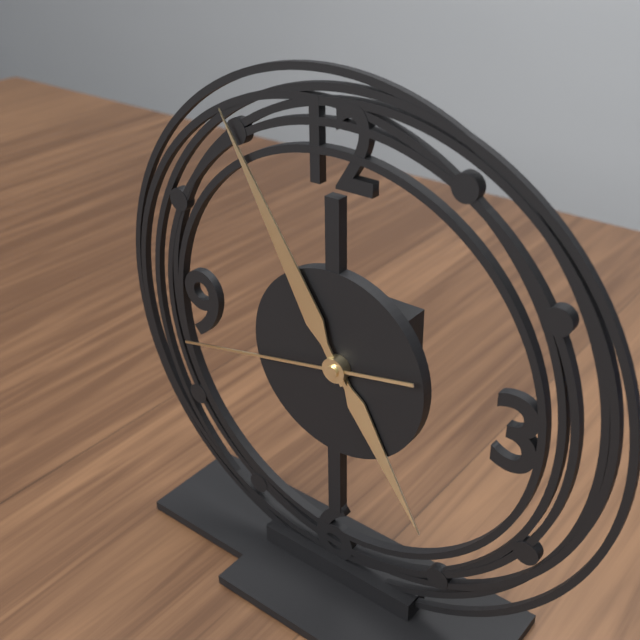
4:55:43
